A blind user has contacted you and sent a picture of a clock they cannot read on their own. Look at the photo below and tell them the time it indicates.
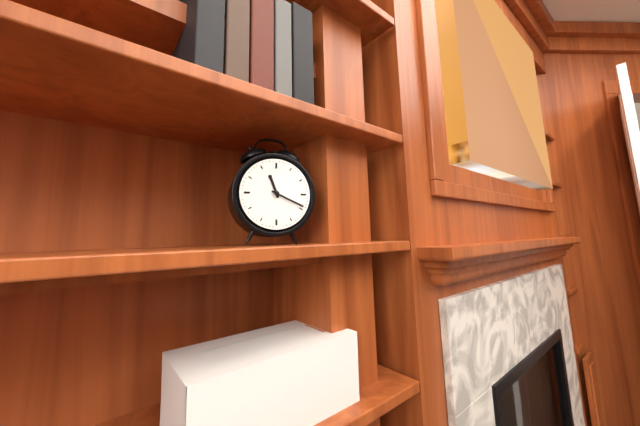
11:19
